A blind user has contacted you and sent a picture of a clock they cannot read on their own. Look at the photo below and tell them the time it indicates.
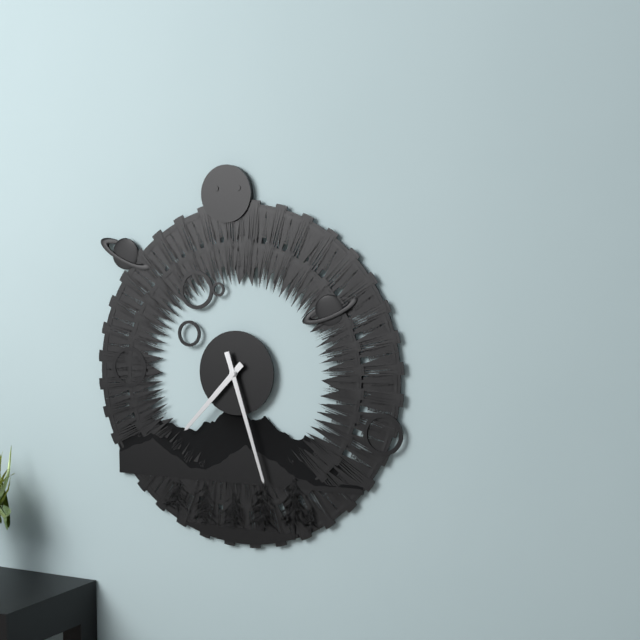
7:27
